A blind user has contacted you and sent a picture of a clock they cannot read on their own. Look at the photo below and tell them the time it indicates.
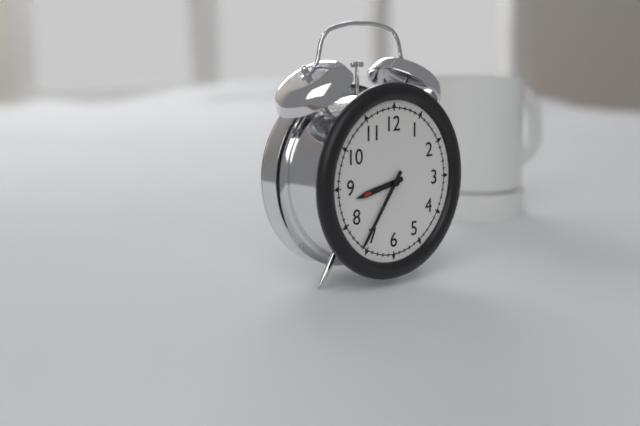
8:36
